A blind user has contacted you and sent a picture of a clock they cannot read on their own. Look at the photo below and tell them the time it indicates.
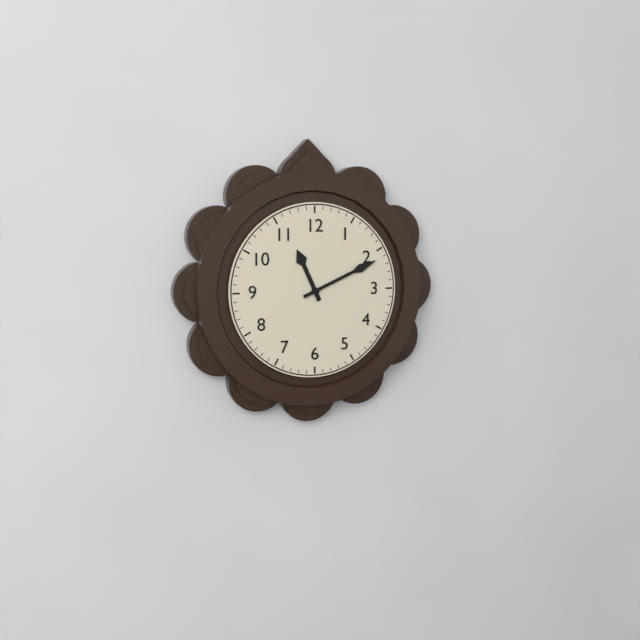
11:11
